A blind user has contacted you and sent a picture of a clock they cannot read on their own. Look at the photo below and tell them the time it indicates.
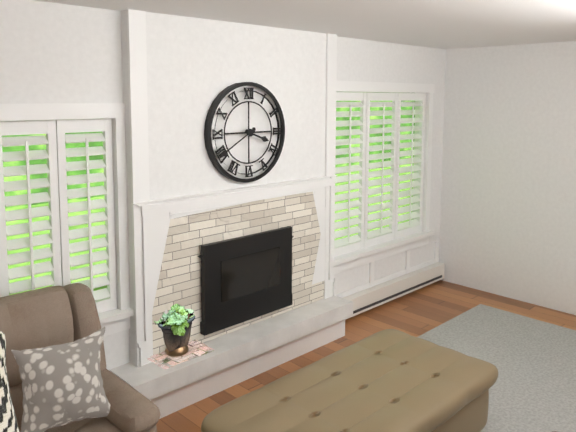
3:40
